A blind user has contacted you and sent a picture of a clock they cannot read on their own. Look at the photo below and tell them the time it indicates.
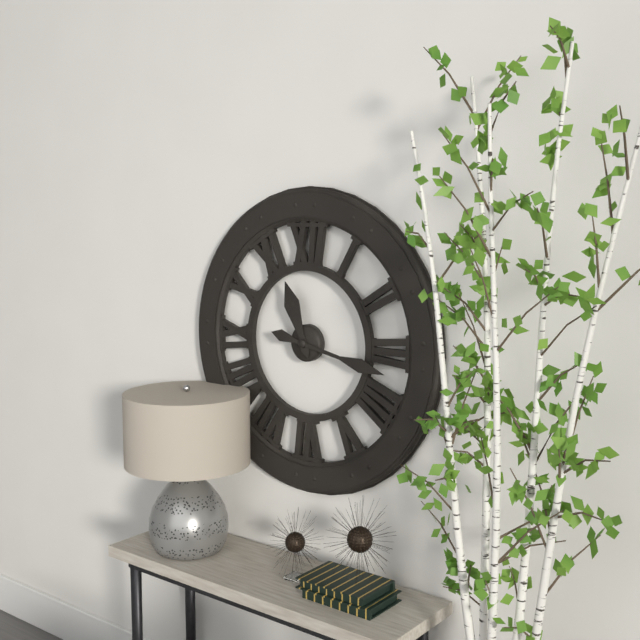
11:17
